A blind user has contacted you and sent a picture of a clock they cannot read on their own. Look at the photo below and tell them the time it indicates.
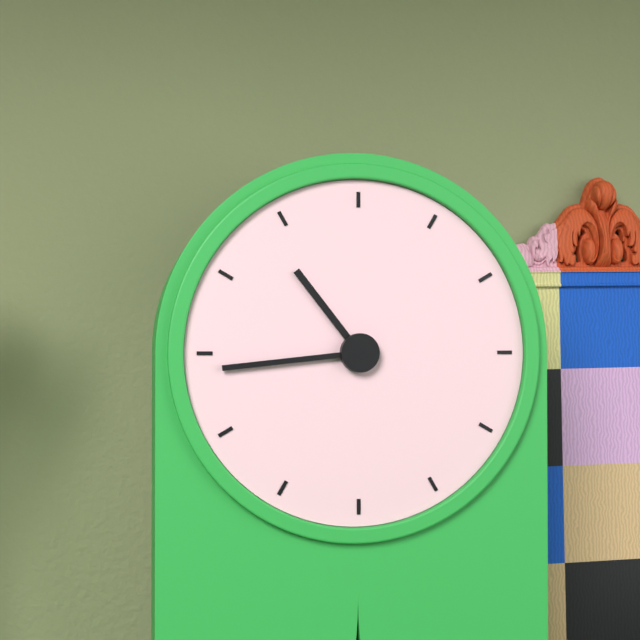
10:44
